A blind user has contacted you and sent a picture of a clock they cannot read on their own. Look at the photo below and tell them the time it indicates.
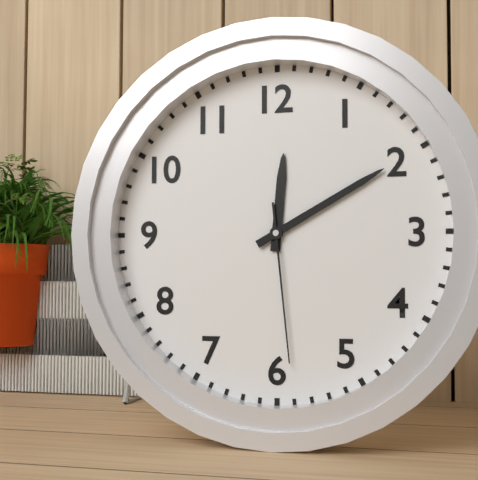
12:10:29
